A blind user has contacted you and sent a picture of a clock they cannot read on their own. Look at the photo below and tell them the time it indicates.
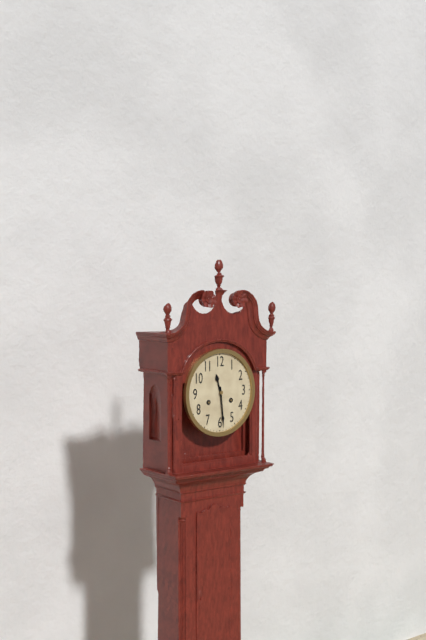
11:29
